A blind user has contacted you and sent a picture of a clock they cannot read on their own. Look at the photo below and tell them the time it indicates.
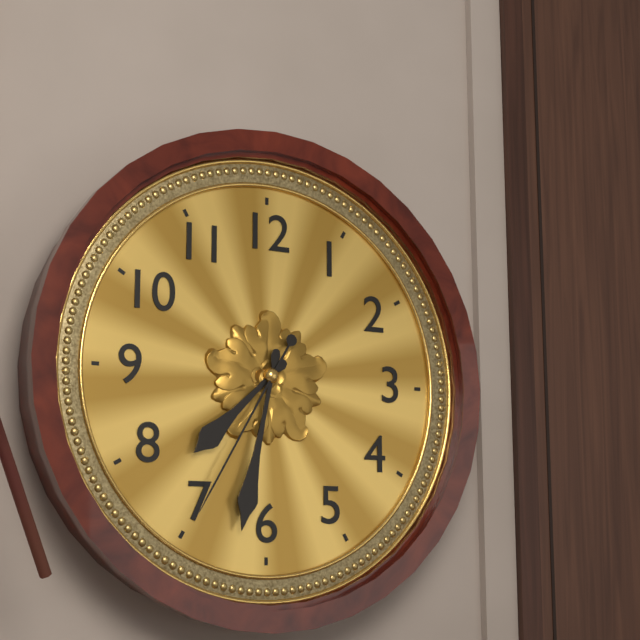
7:32:35
